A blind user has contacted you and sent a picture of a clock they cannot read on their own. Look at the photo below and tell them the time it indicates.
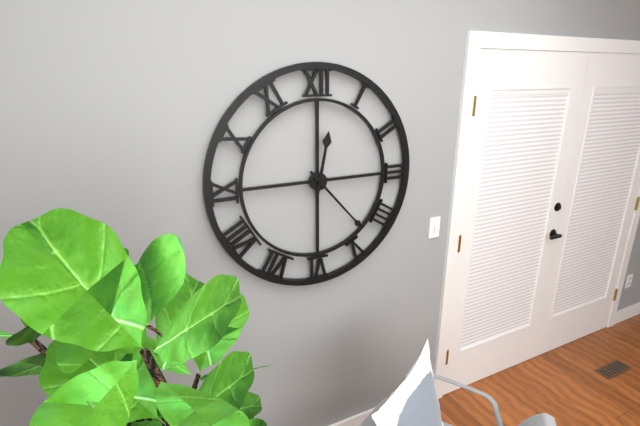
12:23
